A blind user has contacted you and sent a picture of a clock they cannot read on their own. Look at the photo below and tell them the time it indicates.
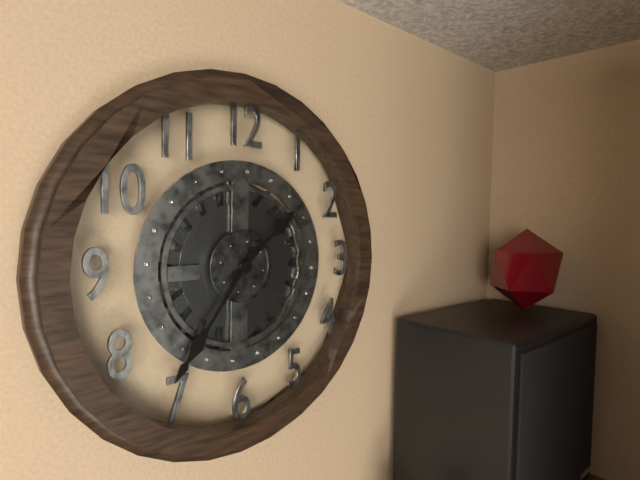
1:36
